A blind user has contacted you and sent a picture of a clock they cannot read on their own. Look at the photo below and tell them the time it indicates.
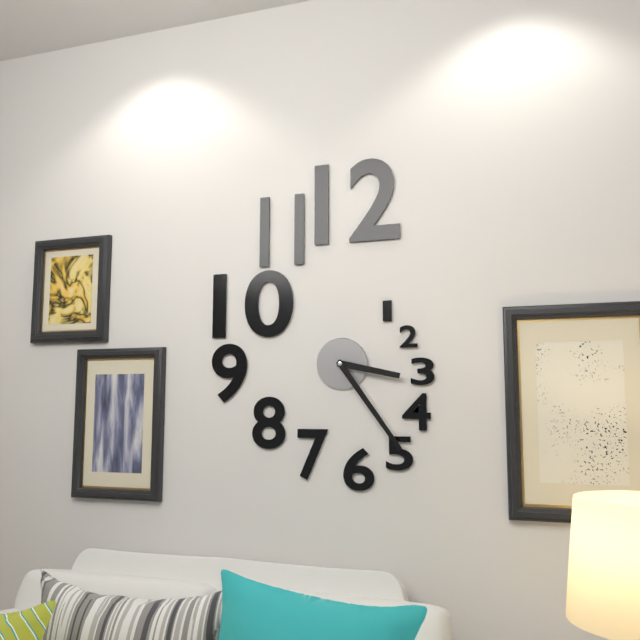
3:24
